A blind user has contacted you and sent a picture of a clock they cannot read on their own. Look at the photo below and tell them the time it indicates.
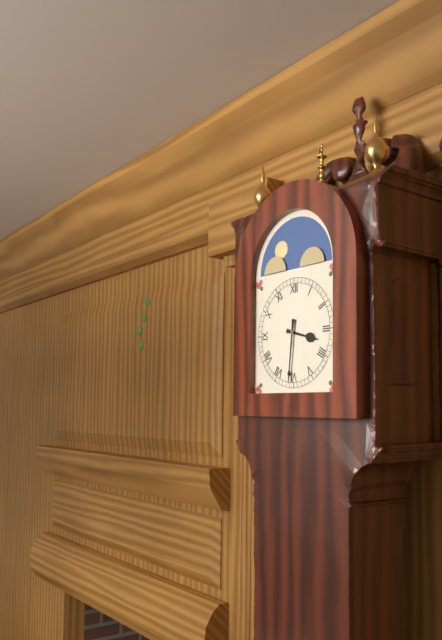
3:31
